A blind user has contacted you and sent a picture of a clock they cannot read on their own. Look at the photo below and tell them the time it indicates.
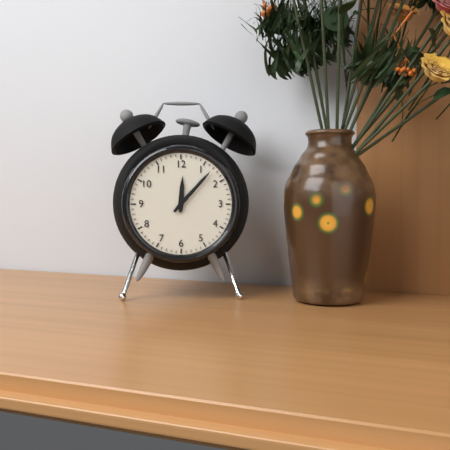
12:07
